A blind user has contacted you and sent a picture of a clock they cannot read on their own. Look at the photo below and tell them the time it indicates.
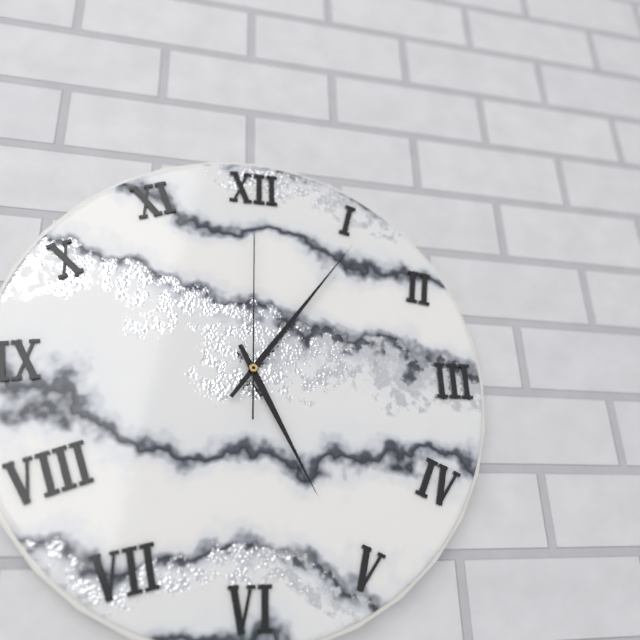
5:06:00
